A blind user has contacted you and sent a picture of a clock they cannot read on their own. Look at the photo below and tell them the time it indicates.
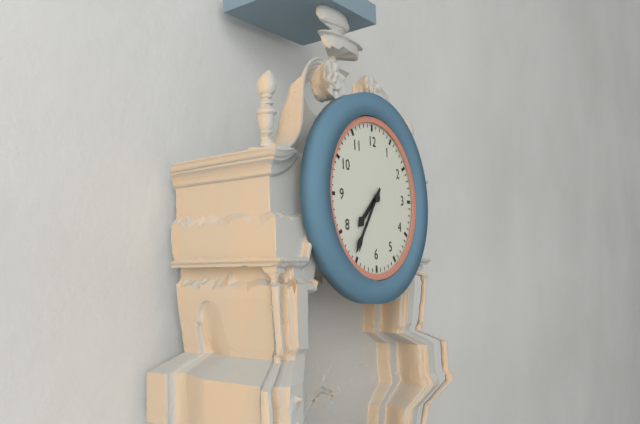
7:36
